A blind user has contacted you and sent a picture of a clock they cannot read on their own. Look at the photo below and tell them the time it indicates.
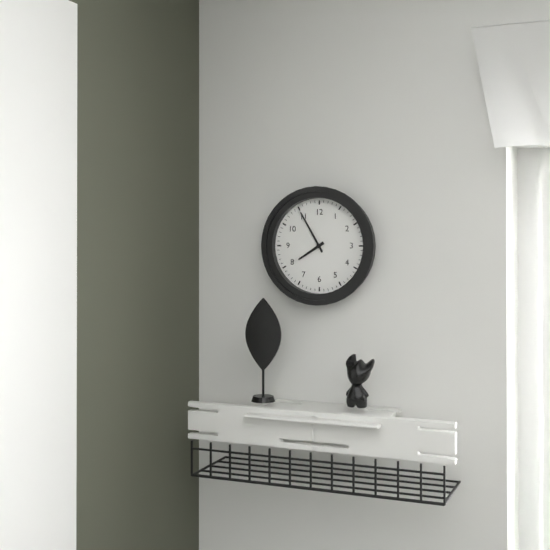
7:55
